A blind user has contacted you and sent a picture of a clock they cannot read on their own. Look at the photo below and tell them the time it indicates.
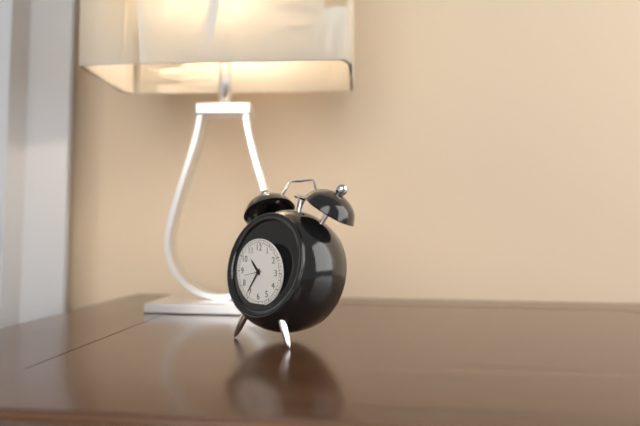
10:36
